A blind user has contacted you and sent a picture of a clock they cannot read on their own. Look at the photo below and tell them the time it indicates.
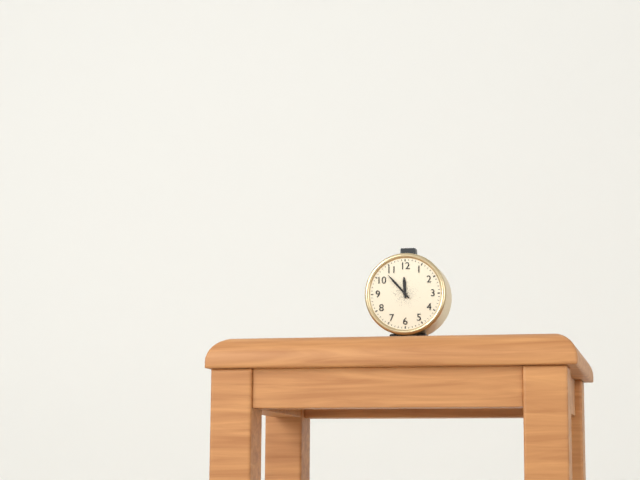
11:53
